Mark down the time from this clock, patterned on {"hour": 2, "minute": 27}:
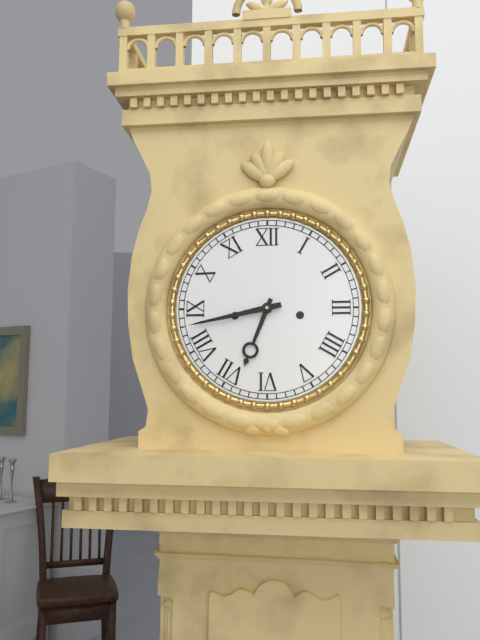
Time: {"hour": 6, "minute": 43}
